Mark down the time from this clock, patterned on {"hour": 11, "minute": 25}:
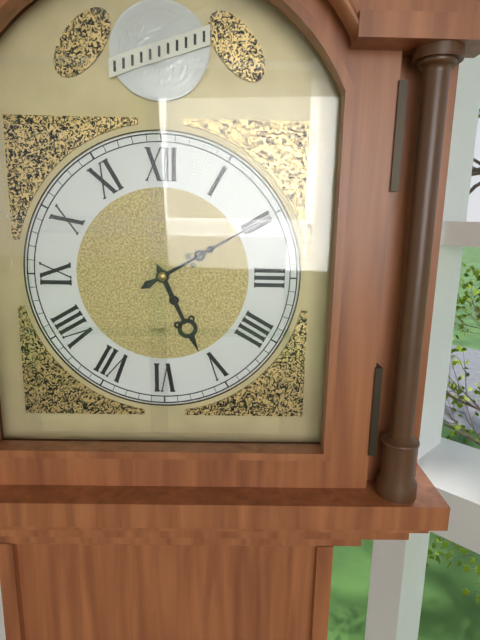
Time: {"hour": 5, "minute": 10}
